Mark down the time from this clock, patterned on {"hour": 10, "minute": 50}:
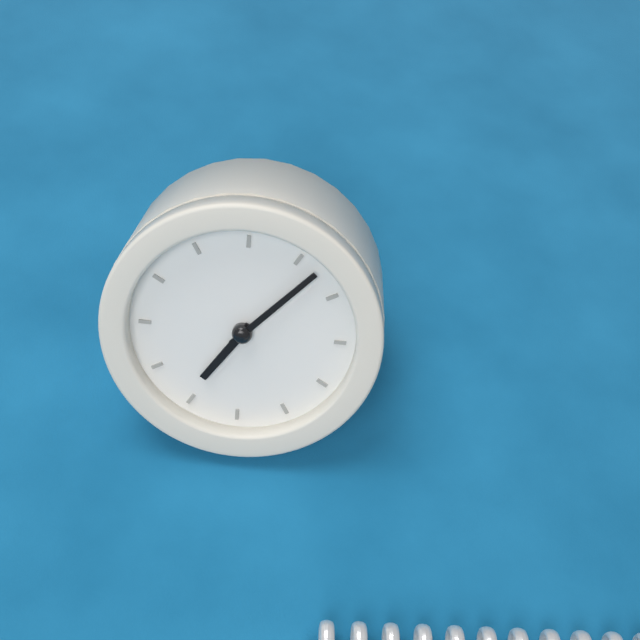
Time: {"hour": 7, "minute": 7}
